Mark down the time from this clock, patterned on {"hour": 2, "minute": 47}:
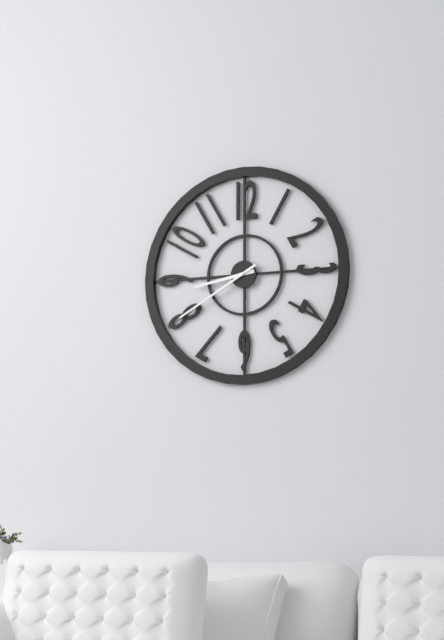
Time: {"hour": 8, "minute": 40}
